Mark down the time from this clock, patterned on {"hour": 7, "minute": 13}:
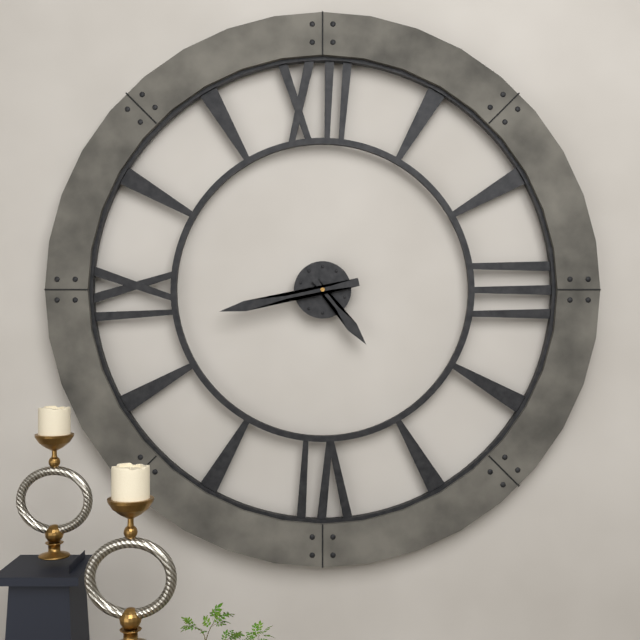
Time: {"hour": 4, "minute": 43}
